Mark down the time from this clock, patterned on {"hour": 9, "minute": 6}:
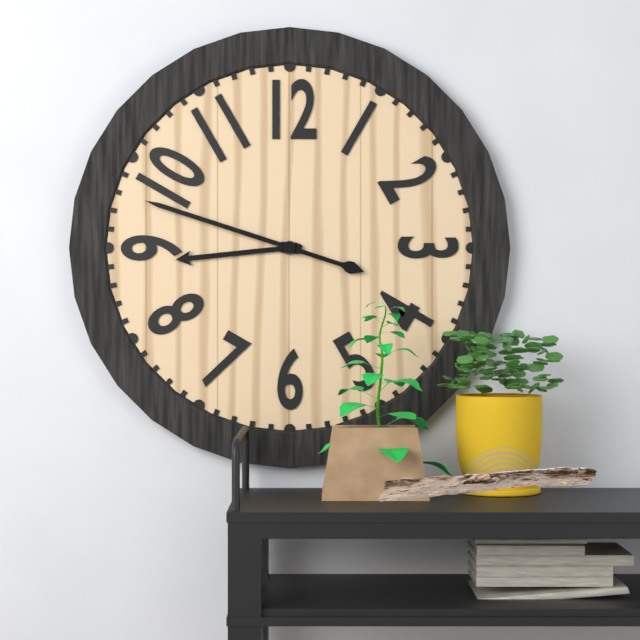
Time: {"hour": 8, "minute": 48}
